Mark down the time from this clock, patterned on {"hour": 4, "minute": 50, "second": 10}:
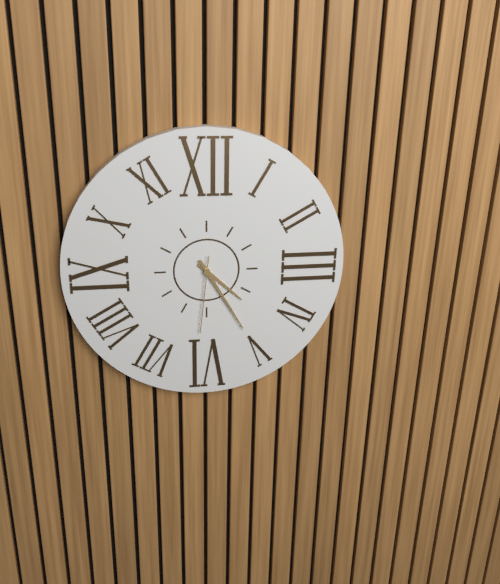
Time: {"hour": 4, "minute": 25, "second": 31}
